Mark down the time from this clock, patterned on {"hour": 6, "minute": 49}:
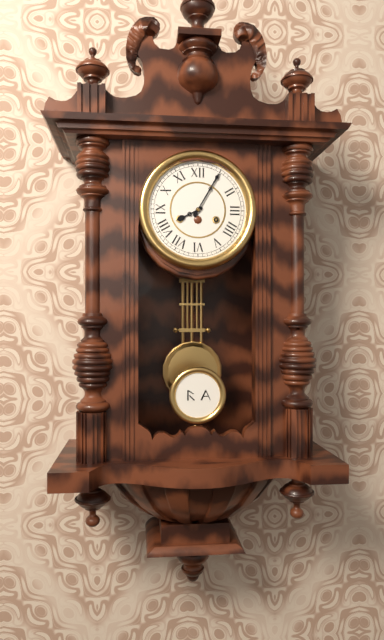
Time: {"hour": 8, "minute": 5}
